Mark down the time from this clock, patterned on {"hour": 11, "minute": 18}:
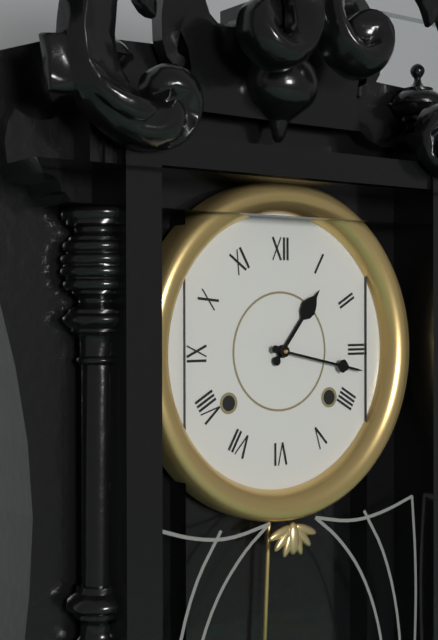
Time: {"hour": 1, "minute": 17}
